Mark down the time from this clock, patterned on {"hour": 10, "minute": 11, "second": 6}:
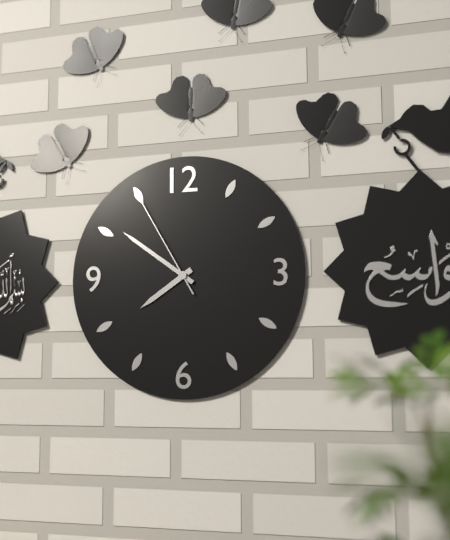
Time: {"hour": 7, "minute": 51, "second": 55}
